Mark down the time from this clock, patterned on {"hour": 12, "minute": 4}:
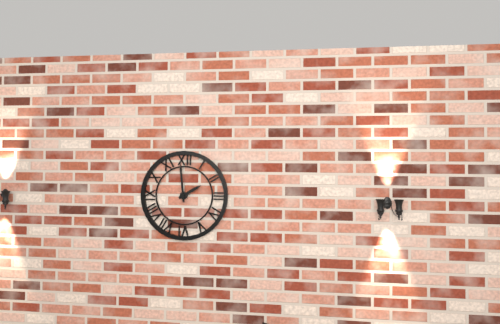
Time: {"hour": 1, "minute": 59}
